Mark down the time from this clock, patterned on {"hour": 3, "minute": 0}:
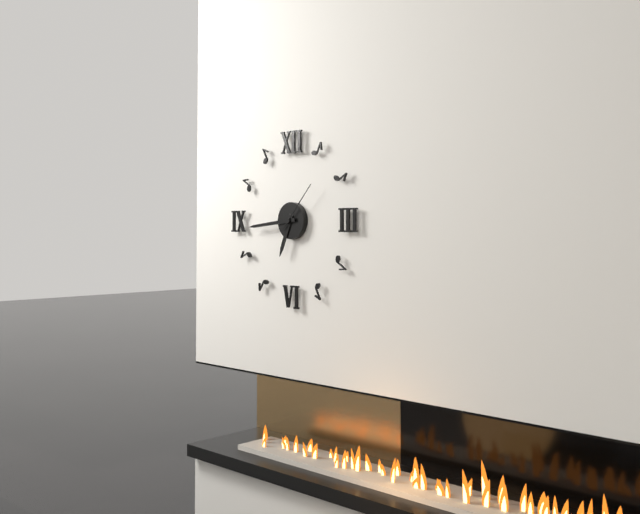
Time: {"hour": 6, "minute": 44}
